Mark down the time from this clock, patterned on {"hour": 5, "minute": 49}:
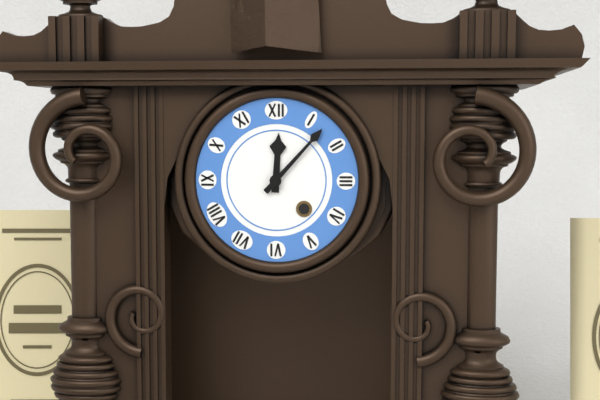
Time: {"hour": 12, "minute": 7}
